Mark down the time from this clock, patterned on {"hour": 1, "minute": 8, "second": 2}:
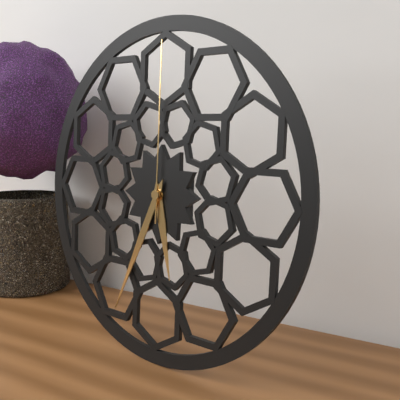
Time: {"hour": 5, "minute": 34, "second": 0}
